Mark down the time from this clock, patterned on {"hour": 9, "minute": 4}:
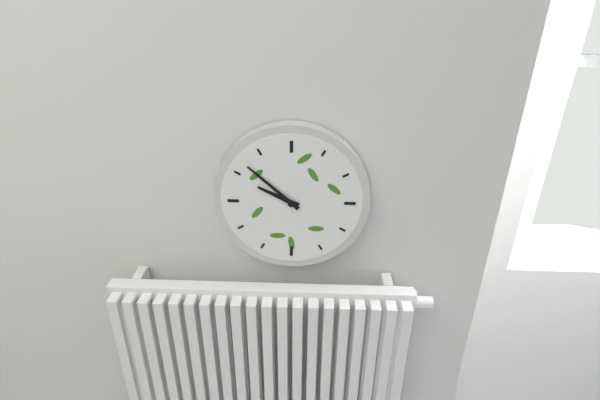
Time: {"hour": 9, "minute": 52}
